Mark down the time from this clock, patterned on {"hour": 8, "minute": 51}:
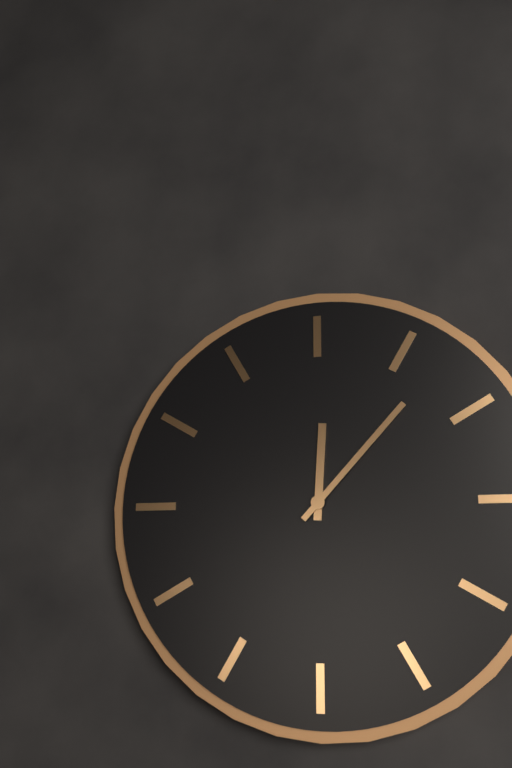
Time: {"hour": 12, "minute": 7}
